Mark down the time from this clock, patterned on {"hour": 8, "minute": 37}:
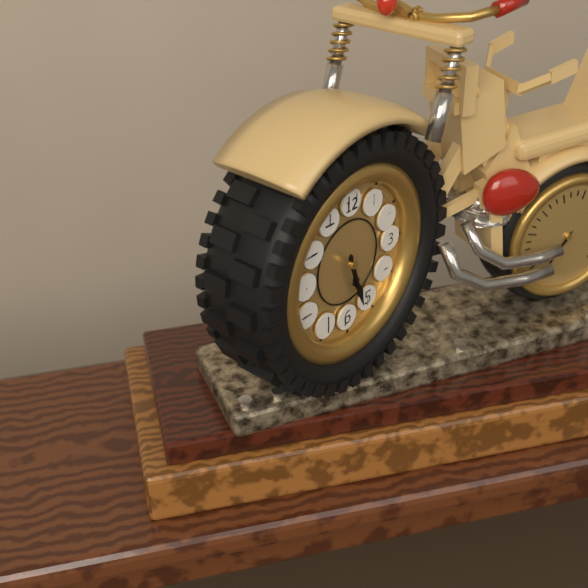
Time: {"hour": 5, "minute": 27}
